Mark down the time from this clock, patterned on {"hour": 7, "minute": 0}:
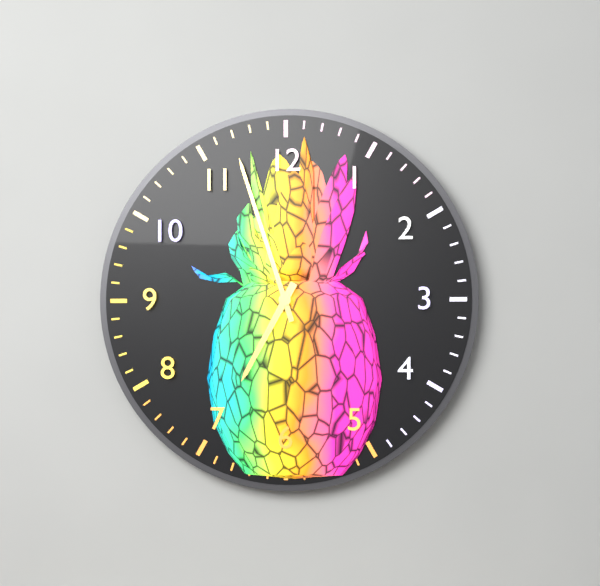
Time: {"hour": 6, "minute": 57}
